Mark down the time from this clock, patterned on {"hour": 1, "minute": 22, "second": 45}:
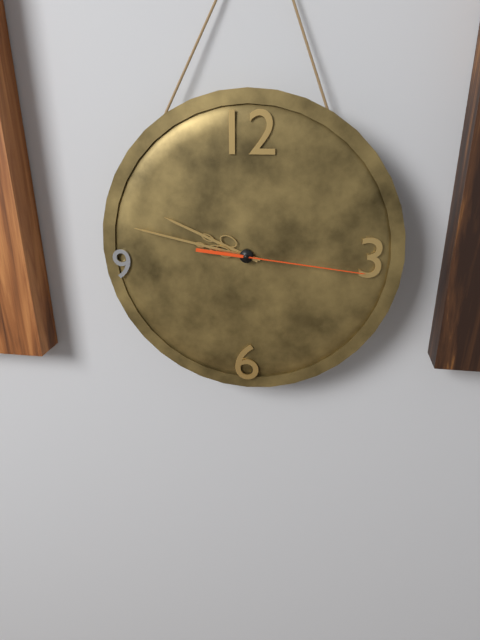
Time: {"hour": 9, "minute": 47, "second": 16}
